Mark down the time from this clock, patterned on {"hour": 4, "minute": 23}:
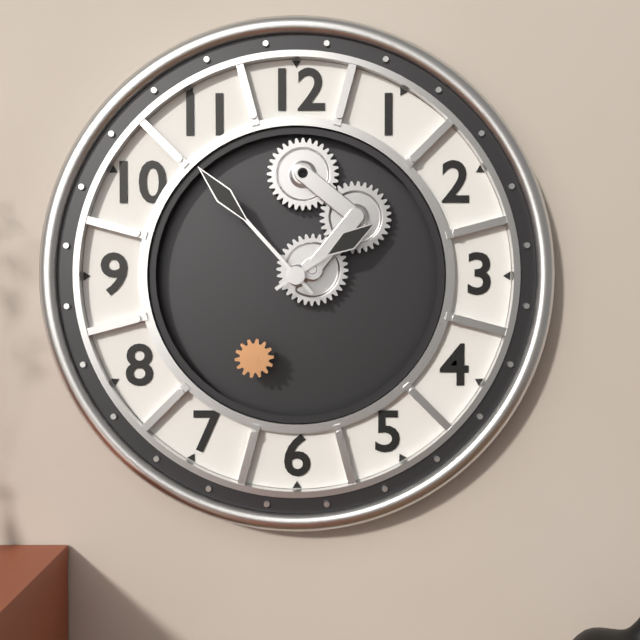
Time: {"hour": 1, "minute": 53}
